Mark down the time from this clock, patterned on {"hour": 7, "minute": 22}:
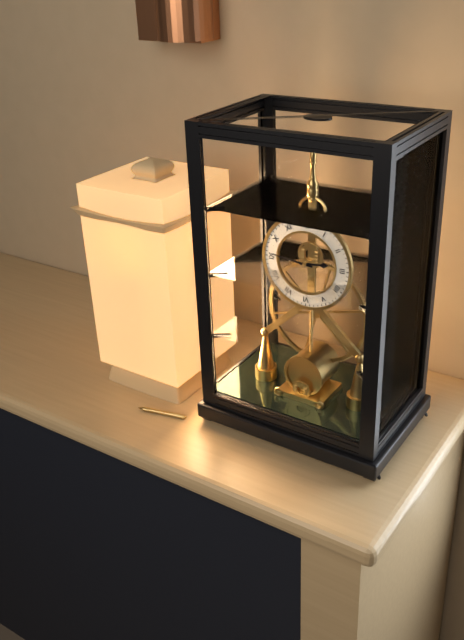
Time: {"hour": 2, "minute": 46}
